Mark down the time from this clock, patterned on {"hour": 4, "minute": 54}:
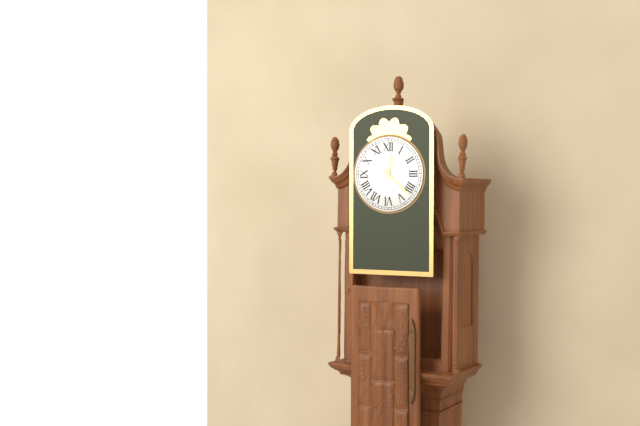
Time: {"hour": 12, "minute": 22}
